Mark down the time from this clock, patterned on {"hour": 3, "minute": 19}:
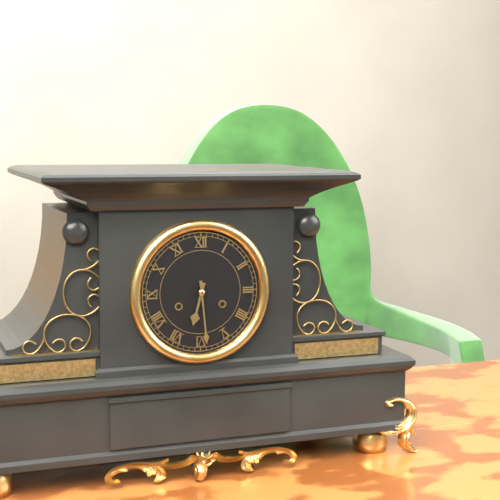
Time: {"hour": 6, "minute": 29}
